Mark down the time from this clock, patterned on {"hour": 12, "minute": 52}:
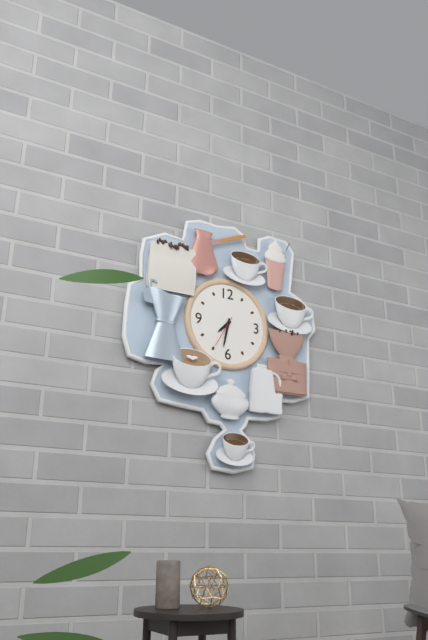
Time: {"hour": 7, "minute": 32}
